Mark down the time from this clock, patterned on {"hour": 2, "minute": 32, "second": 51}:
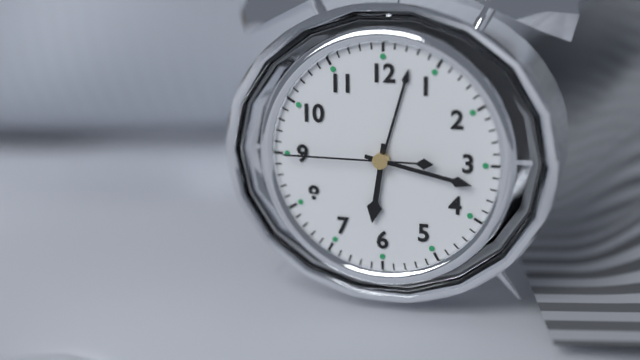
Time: {"hour": 6, "minute": 17, "second": 45}
